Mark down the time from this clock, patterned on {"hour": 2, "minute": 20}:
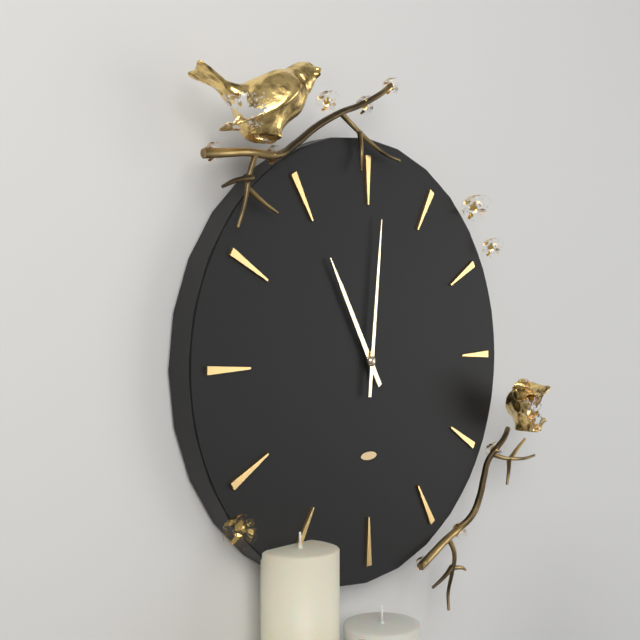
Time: {"hour": 11, "minute": 1}
